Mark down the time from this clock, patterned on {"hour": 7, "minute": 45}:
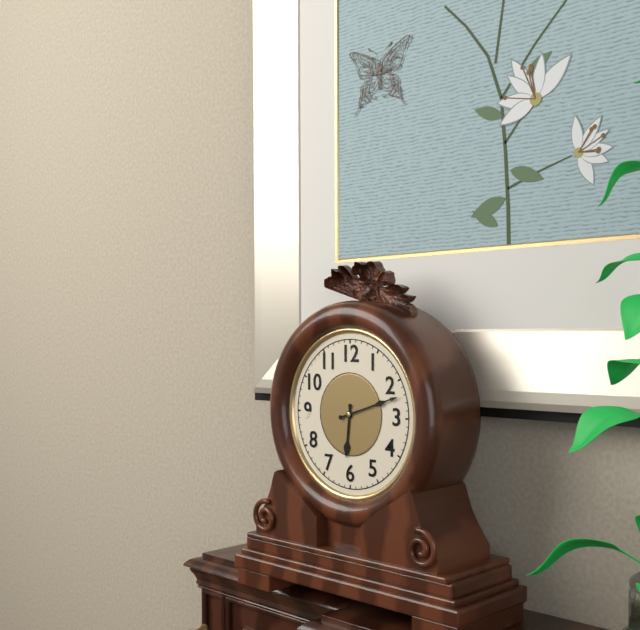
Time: {"hour": 6, "minute": 12}
